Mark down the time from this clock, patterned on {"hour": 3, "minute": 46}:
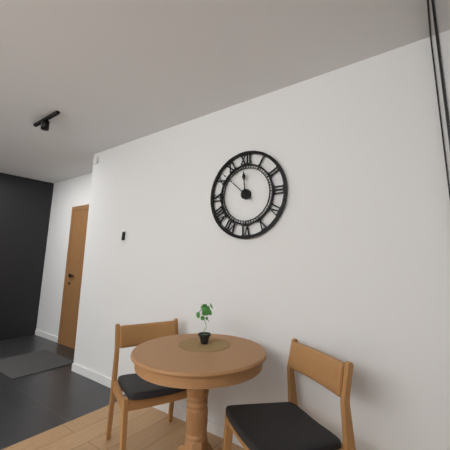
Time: {"hour": 11, "minute": 52}
